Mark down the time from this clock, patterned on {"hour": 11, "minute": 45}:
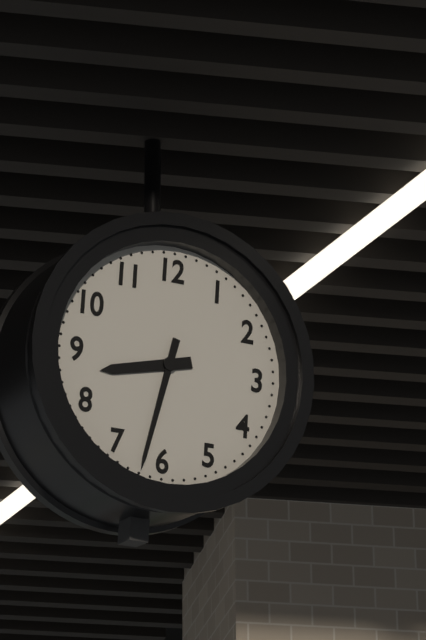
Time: {"hour": 8, "minute": 32}
